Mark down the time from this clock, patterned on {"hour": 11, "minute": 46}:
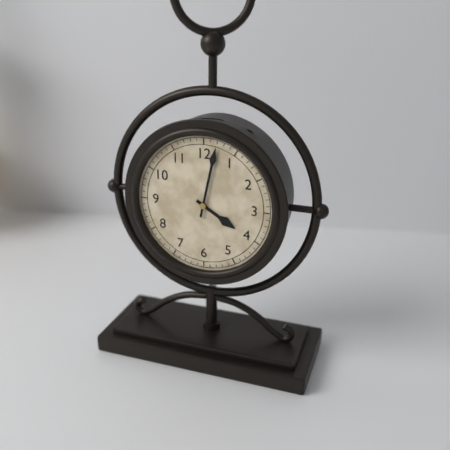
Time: {"hour": 4, "minute": 2}
